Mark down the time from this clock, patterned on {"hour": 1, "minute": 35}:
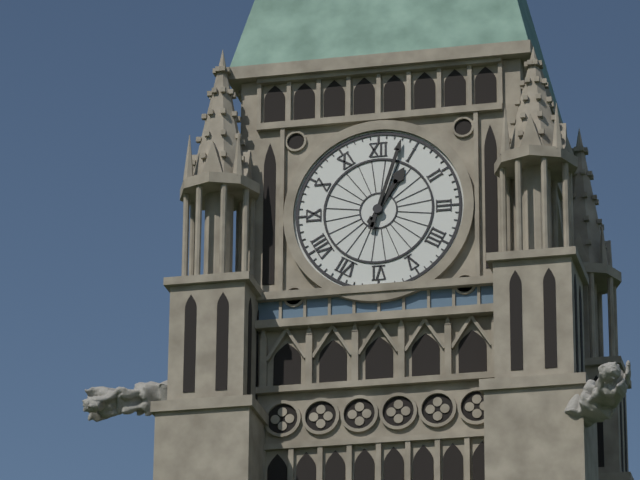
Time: {"hour": 1, "minute": 3}
